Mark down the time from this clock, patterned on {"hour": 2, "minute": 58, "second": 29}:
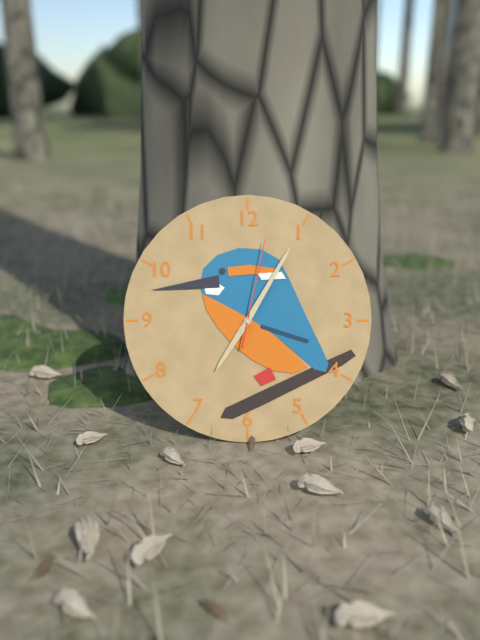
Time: {"hour": 7, "minute": 5, "second": 2}
